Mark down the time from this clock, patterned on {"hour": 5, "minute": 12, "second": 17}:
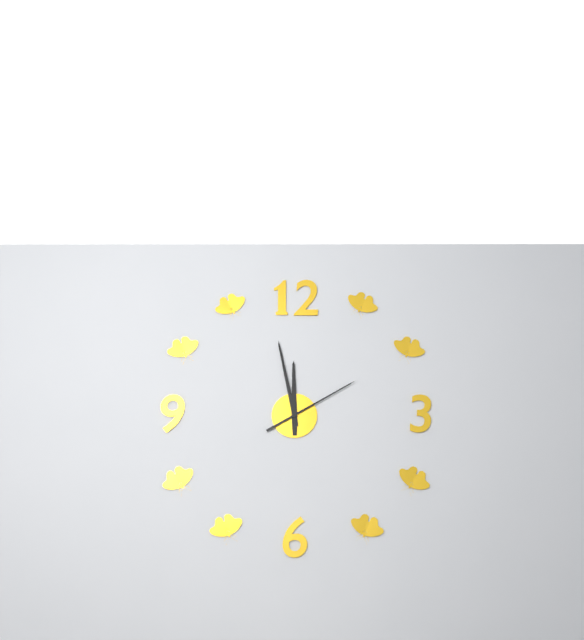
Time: {"hour": 11, "minute": 58, "second": 10}
